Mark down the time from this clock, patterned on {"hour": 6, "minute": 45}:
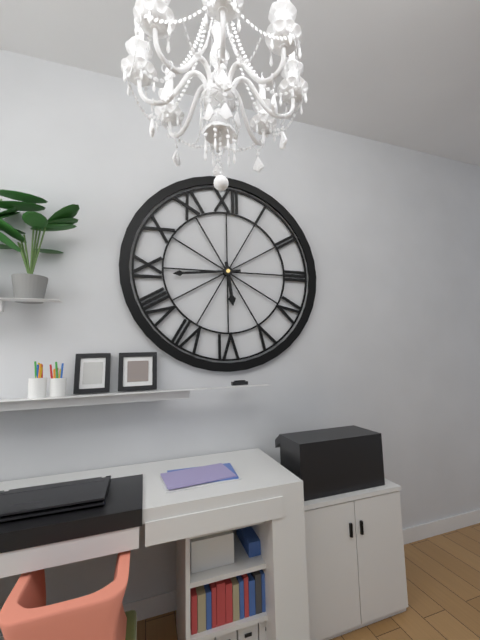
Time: {"hour": 5, "minute": 44}
